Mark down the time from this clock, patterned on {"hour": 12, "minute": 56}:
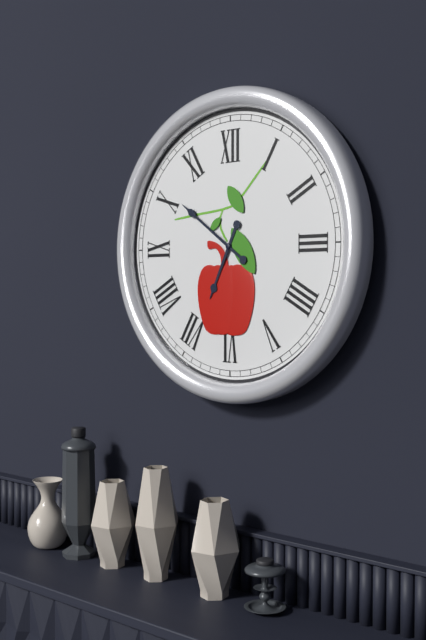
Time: {"hour": 6, "minute": 51}
